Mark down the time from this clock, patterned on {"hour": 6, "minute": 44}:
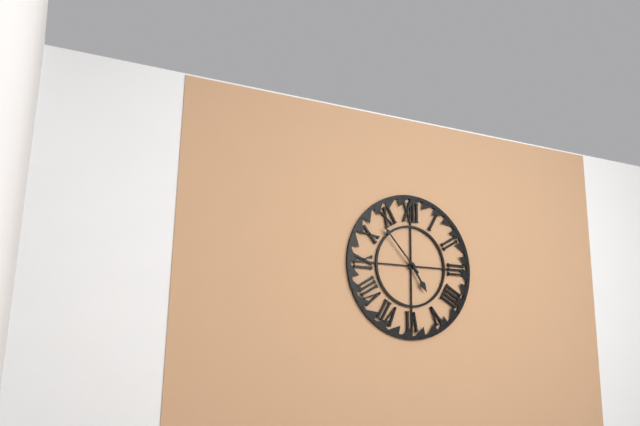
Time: {"hour": 4, "minute": 53}
